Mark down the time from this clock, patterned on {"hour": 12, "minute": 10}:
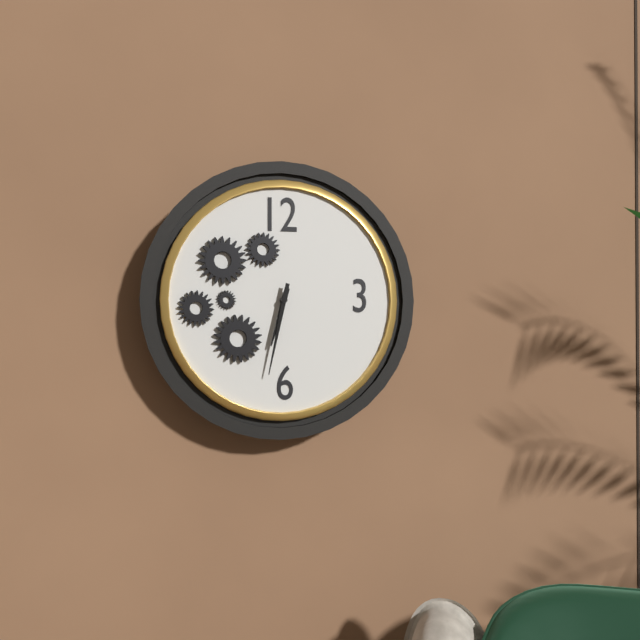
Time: {"hour": 6, "minute": 32}
